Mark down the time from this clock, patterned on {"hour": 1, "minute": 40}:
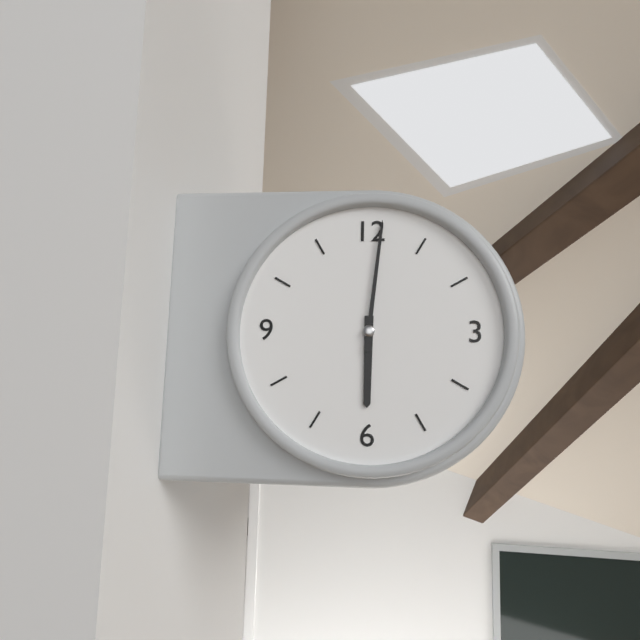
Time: {"hour": 6, "minute": 1}
